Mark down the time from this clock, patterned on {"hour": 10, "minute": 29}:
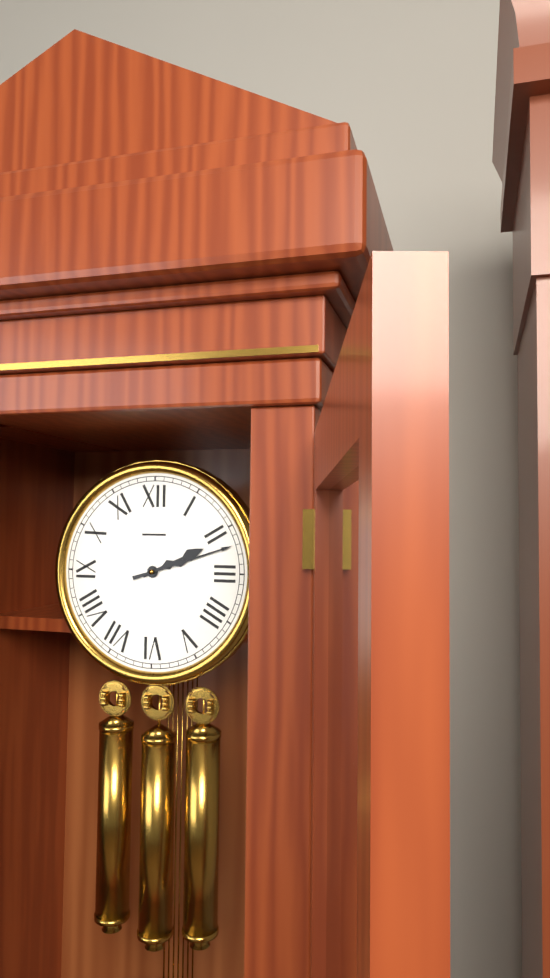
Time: {"hour": 2, "minute": 12}
